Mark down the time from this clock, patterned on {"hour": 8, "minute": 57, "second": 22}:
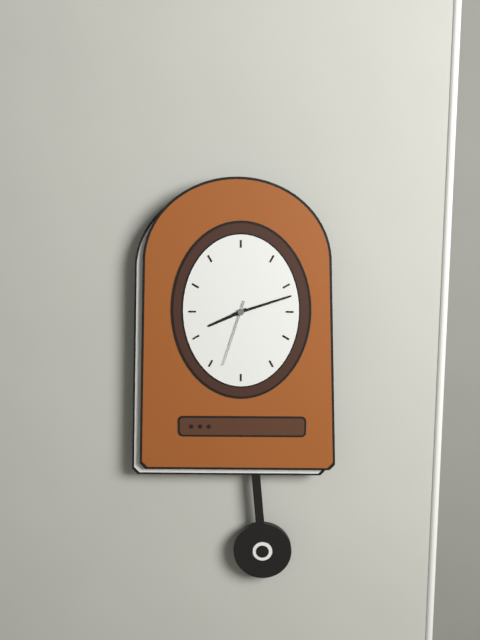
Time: {"hour": 8, "minute": 12, "second": 33}
